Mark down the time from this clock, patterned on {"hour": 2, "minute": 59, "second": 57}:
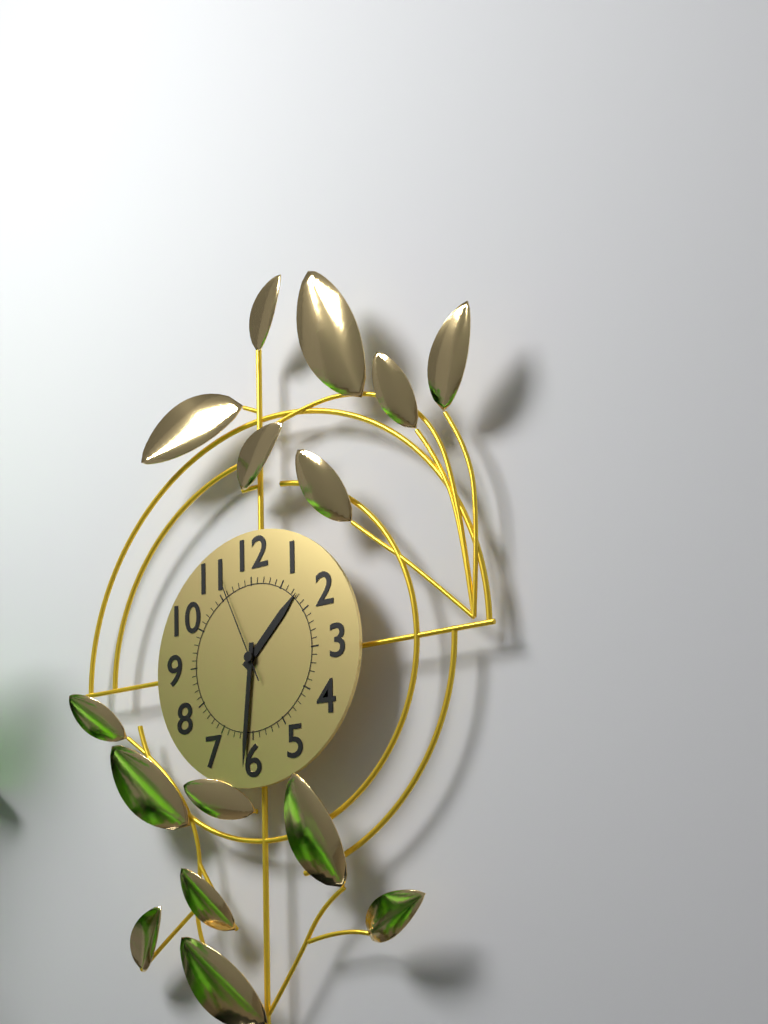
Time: {"hour": 1, "minute": 31, "second": 56}
